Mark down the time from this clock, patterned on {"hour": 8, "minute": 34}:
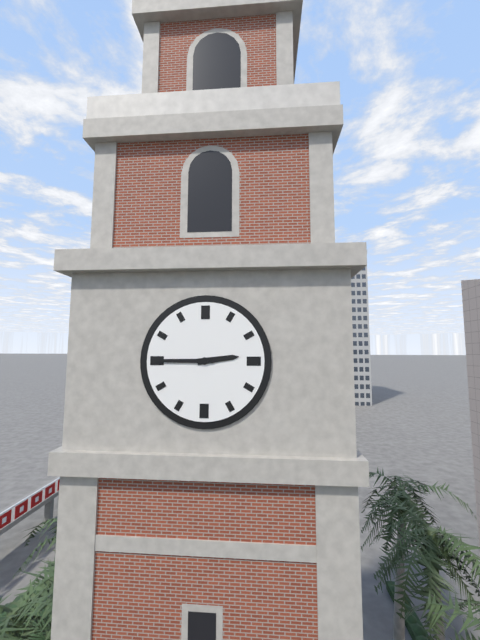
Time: {"hour": 2, "minute": 45}
